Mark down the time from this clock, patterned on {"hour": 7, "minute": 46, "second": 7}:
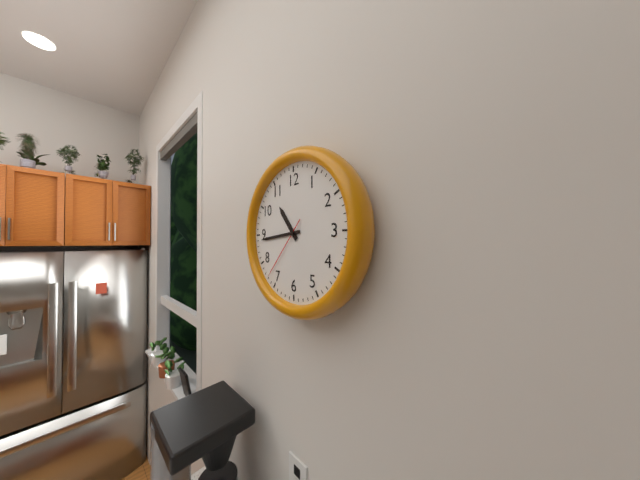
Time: {"hour": 10, "minute": 44, "second": 37}
